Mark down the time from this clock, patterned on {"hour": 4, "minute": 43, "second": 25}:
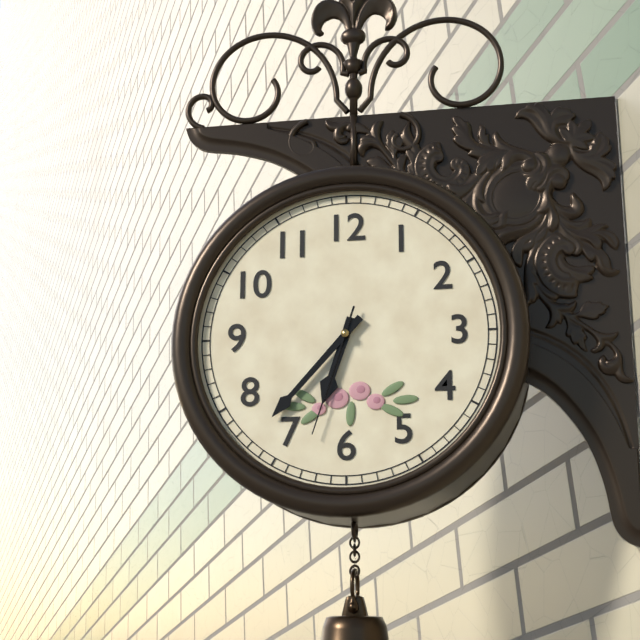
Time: {"hour": 6, "minute": 37, "second": 33}
